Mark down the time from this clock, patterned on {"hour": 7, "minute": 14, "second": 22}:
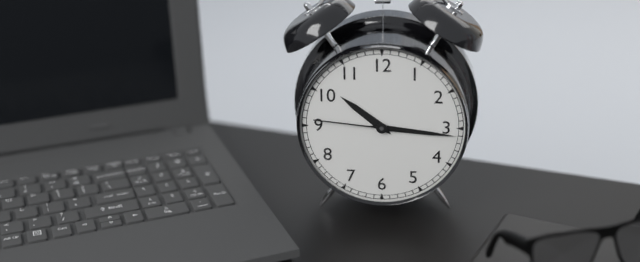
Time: {"hour": 10, "minute": 16, "second": 46}
